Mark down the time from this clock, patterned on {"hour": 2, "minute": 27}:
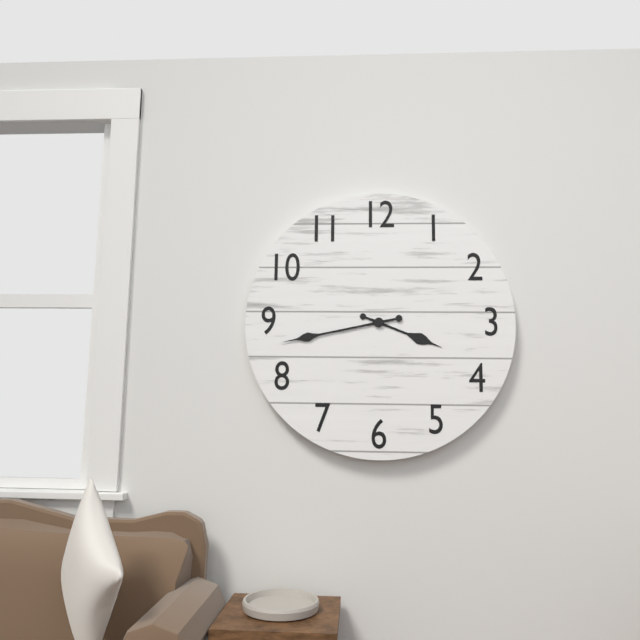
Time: {"hour": 3, "minute": 43}
